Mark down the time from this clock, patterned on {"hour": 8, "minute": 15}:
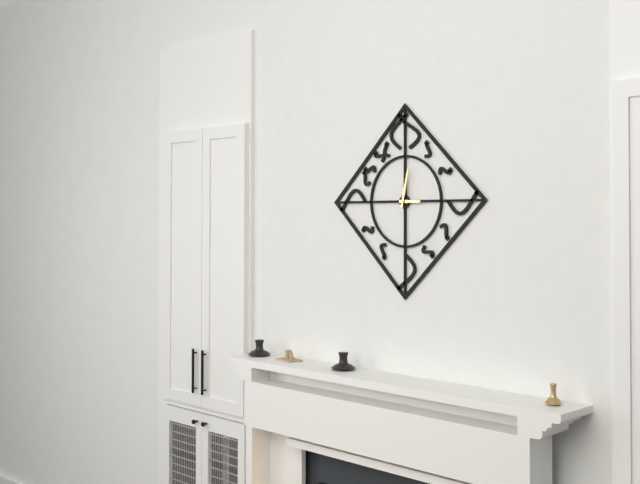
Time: {"hour": 3, "minute": 2}
